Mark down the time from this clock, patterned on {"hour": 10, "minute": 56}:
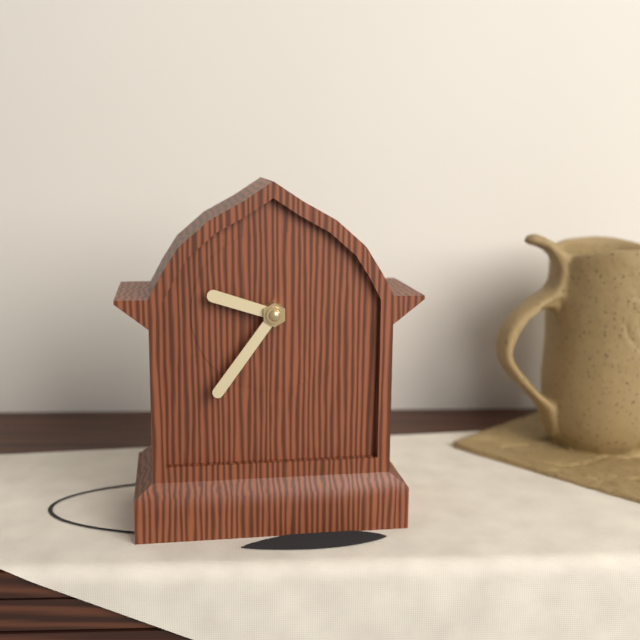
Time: {"hour": 9, "minute": 36}
